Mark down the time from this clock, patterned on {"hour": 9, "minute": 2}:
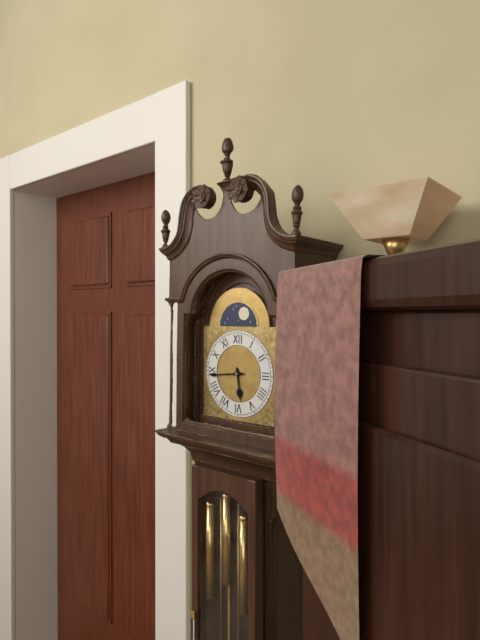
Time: {"hour": 5, "minute": 44}
